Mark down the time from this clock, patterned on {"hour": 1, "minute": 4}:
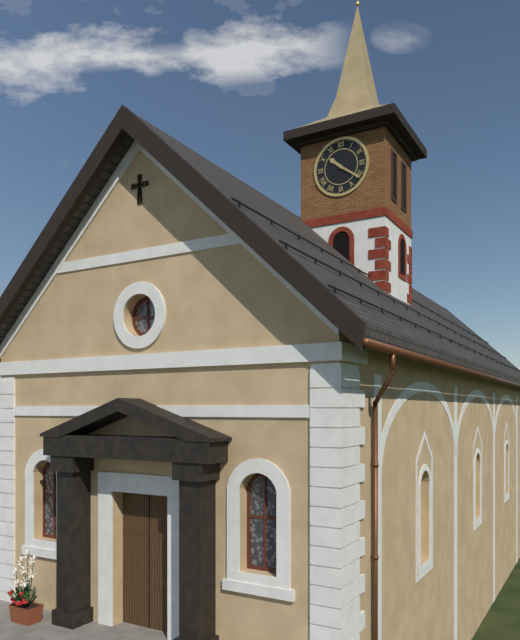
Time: {"hour": 10, "minute": 21}
